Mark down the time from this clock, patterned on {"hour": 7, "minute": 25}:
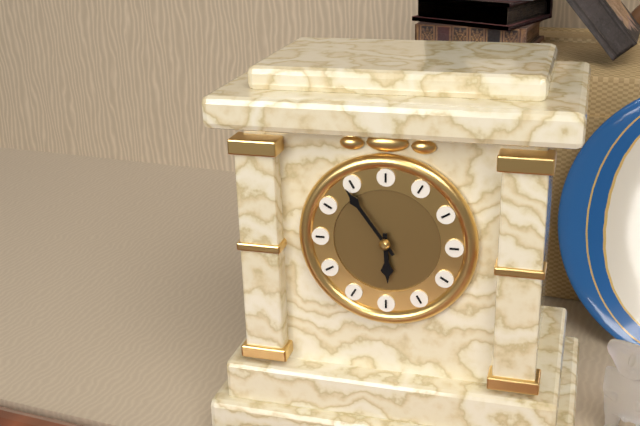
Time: {"hour": 5, "minute": 54}
